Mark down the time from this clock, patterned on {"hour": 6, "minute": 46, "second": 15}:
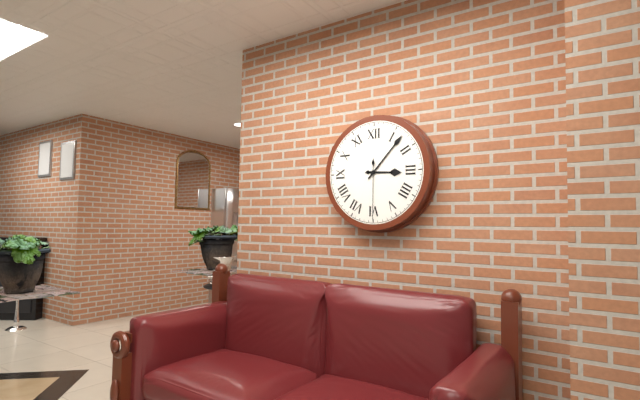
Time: {"hour": 3, "minute": 7, "second": 30}
